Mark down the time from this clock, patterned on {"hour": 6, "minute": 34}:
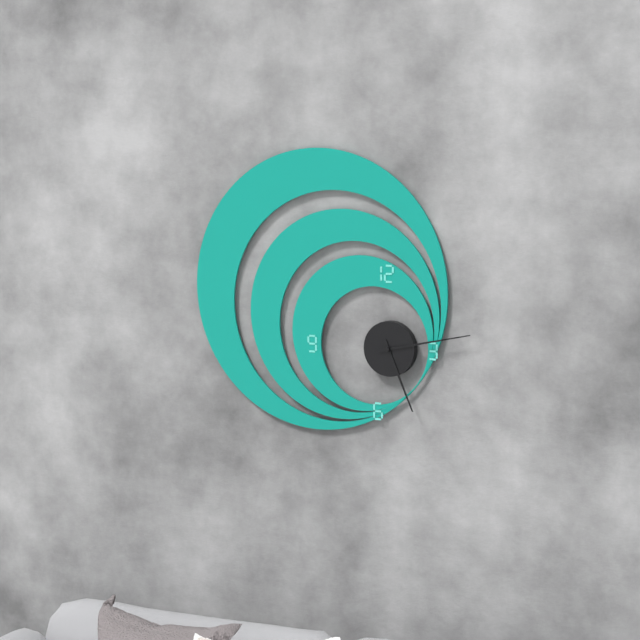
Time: {"hour": 5, "minute": 13}
